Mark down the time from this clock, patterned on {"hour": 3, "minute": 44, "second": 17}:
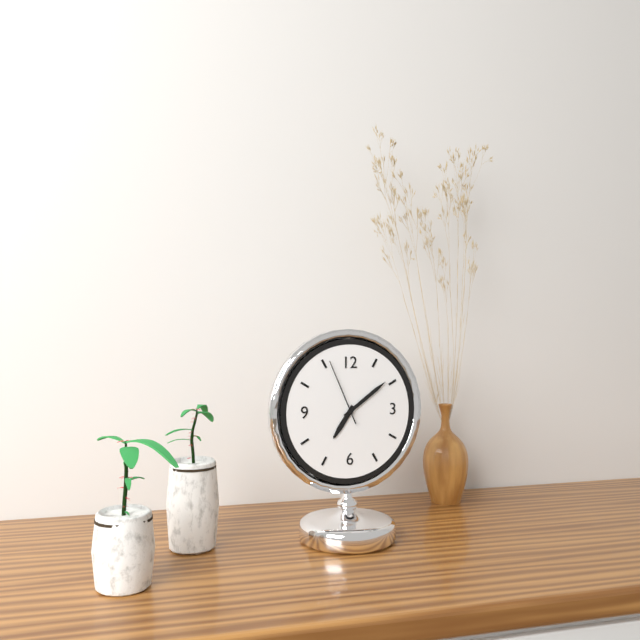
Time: {"hour": 7, "minute": 9, "second": 56}
